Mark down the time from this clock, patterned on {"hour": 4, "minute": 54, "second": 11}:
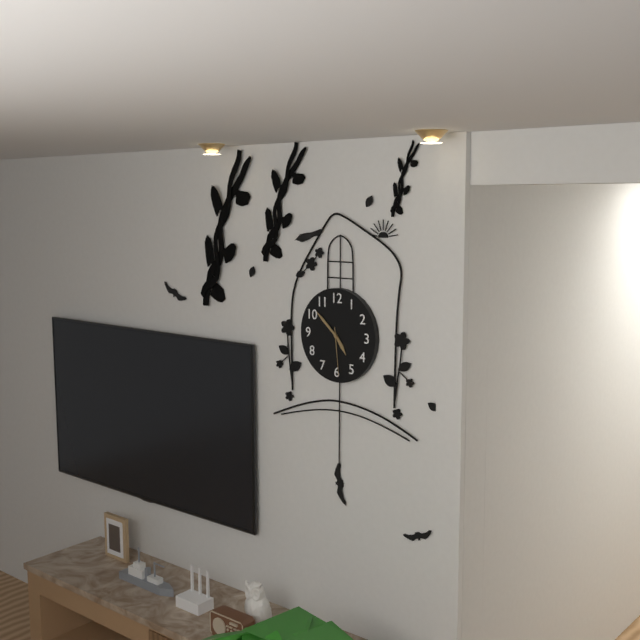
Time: {"hour": 4, "minute": 52, "second": 29}
